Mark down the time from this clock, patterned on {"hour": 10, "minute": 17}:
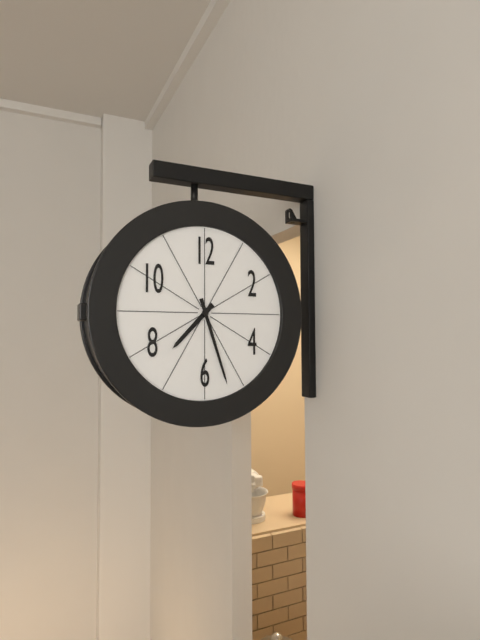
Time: {"hour": 7, "minute": 27}
